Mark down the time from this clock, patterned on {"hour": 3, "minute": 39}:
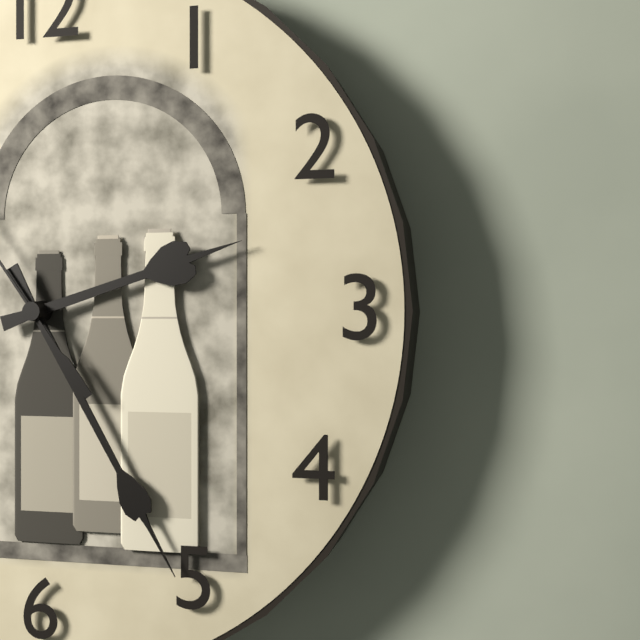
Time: {"hour": 2, "minute": 25}
